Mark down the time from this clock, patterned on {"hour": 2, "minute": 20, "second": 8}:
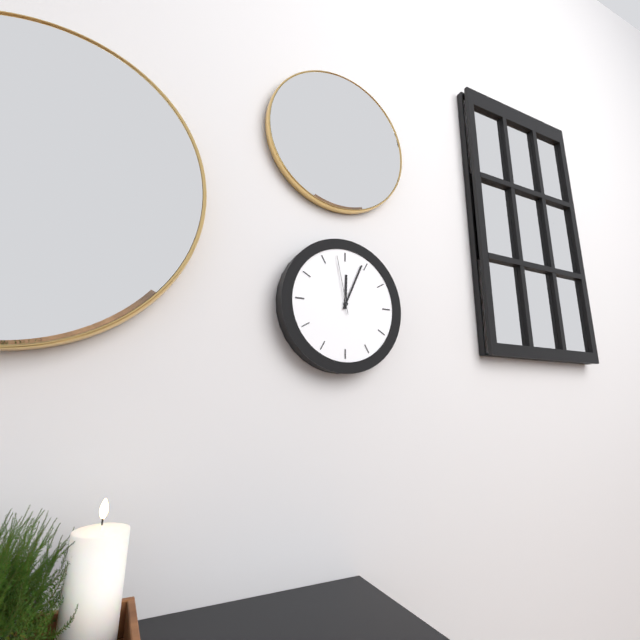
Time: {"hour": 12, "minute": 4, "second": 58}
